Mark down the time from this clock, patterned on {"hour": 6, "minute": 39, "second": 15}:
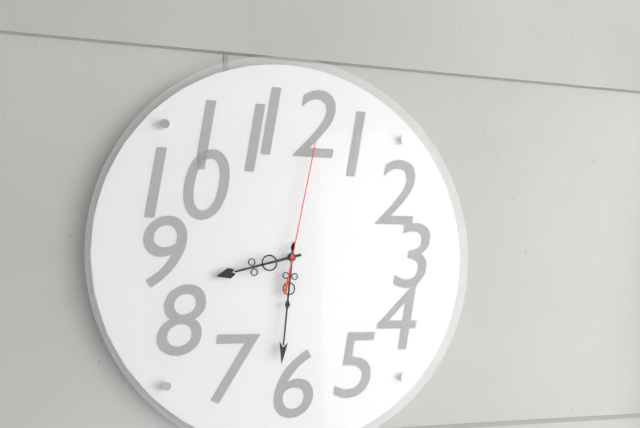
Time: {"hour": 8, "minute": 31, "second": 2}
